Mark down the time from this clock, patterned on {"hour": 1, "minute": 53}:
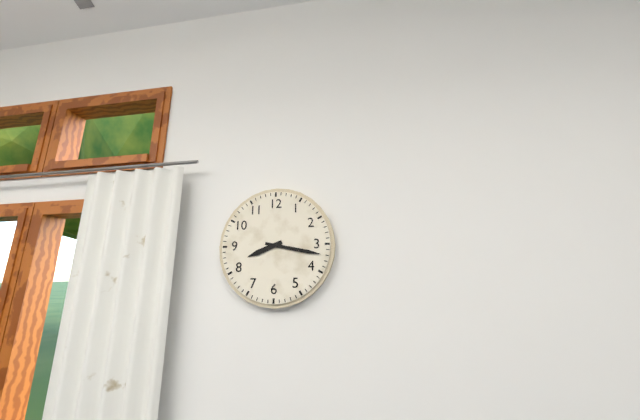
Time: {"hour": 8, "minute": 17}
